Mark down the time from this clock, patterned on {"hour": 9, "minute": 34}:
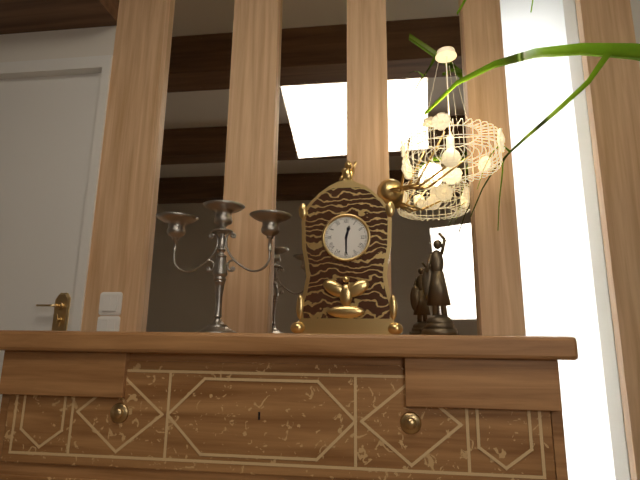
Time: {"hour": 12, "minute": 30}
